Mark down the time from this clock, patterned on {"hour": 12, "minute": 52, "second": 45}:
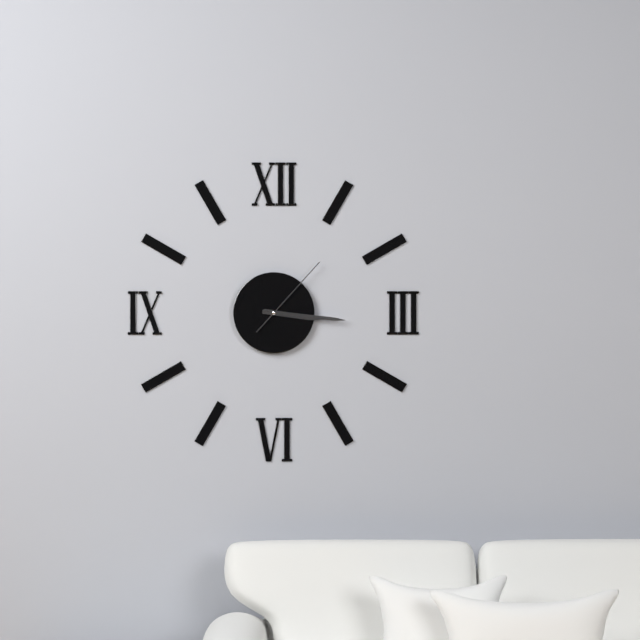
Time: {"hour": 3, "minute": 16, "second": 7}
